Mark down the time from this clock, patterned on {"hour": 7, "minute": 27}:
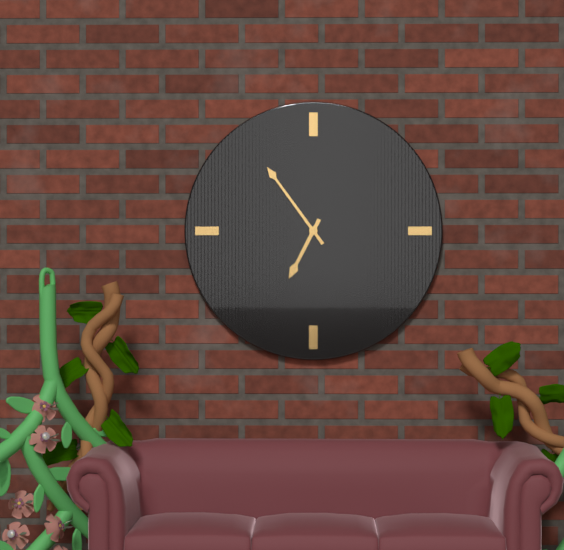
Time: {"hour": 6, "minute": 54}
